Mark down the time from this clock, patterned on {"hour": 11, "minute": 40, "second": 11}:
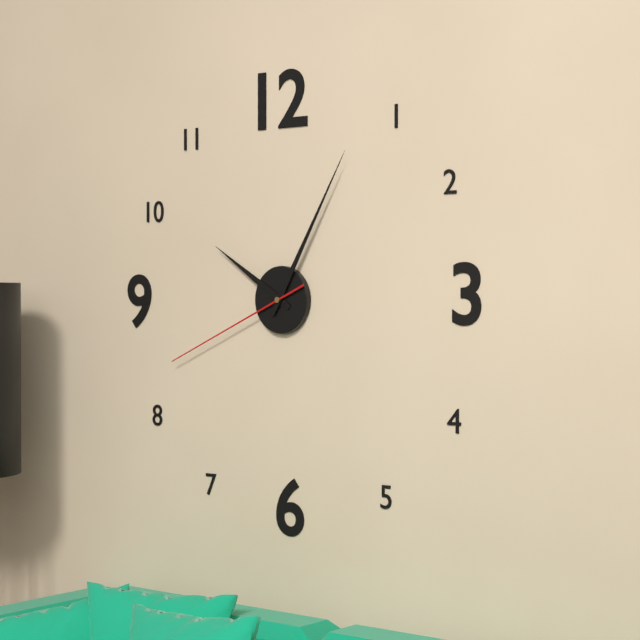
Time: {"hour": 10, "minute": 5, "second": 41}
